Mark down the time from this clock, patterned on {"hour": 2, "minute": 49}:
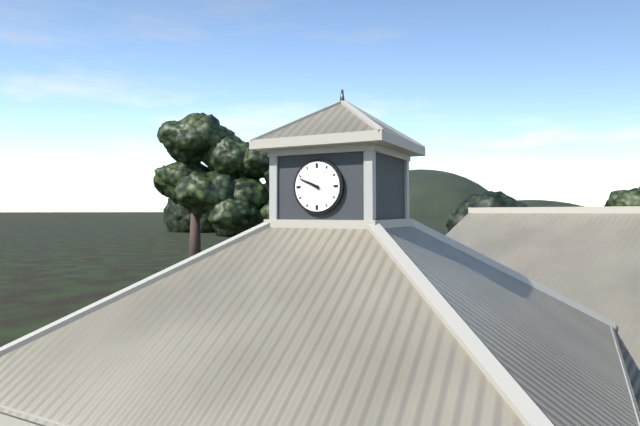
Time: {"hour": 9, "minute": 49}
